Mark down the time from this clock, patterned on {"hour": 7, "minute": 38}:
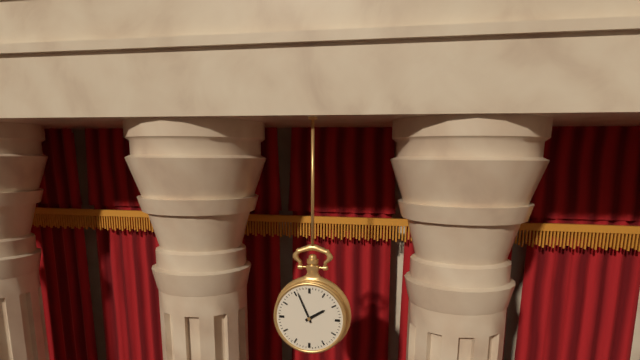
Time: {"hour": 1, "minute": 56}
